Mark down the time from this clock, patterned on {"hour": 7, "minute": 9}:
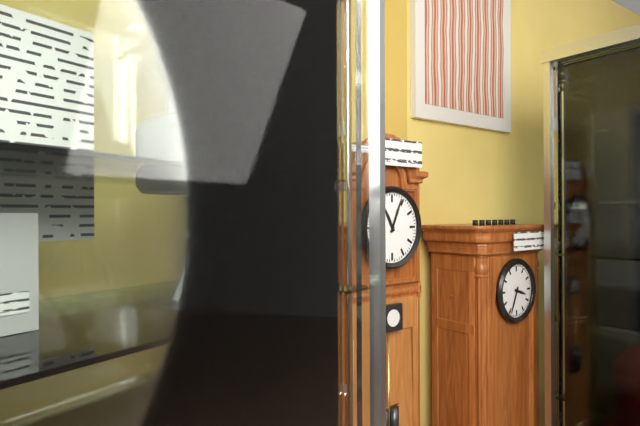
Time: {"hour": 11, "minute": 4}
